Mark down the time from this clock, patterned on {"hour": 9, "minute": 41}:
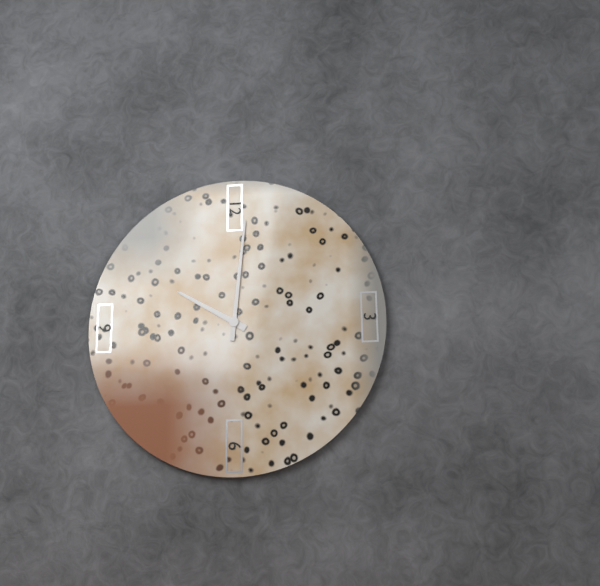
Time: {"hour": 10, "minute": 1}
